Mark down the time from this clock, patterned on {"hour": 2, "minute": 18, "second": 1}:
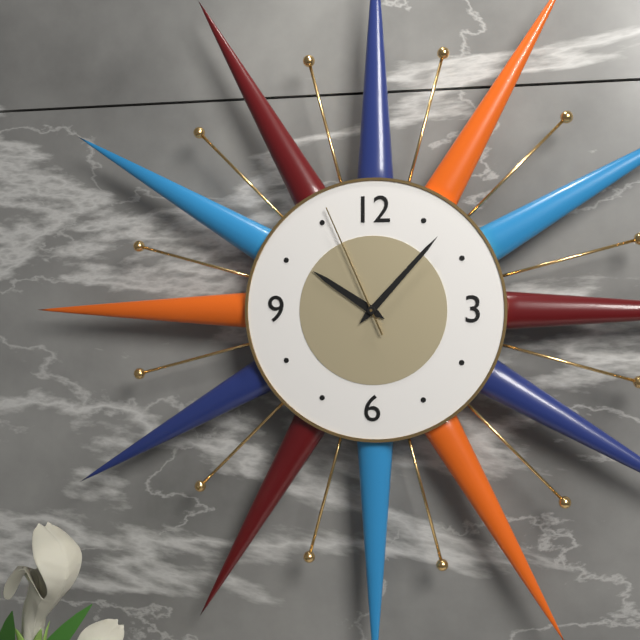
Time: {"hour": 10, "minute": 7, "second": 56}
